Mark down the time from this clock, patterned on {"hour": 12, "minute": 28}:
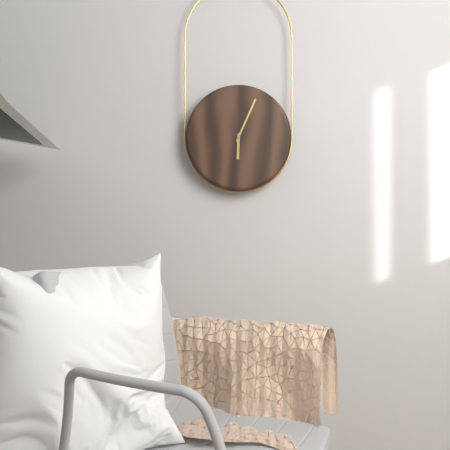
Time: {"hour": 6, "minute": 4}
